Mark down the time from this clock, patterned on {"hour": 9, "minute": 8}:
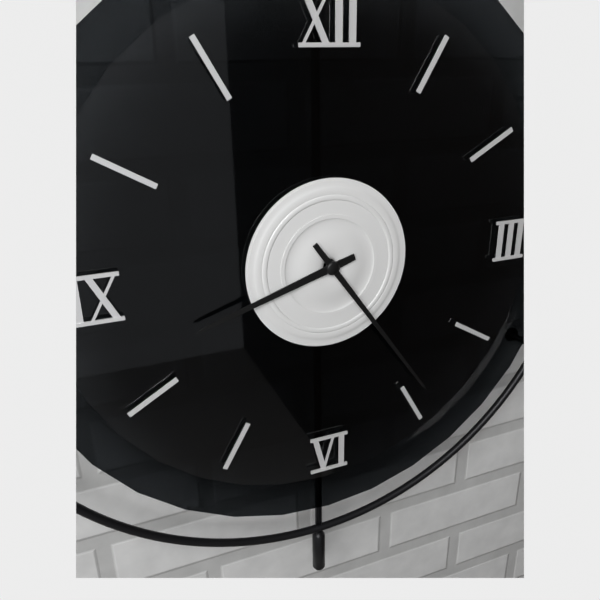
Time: {"hour": 8, "minute": 24}
